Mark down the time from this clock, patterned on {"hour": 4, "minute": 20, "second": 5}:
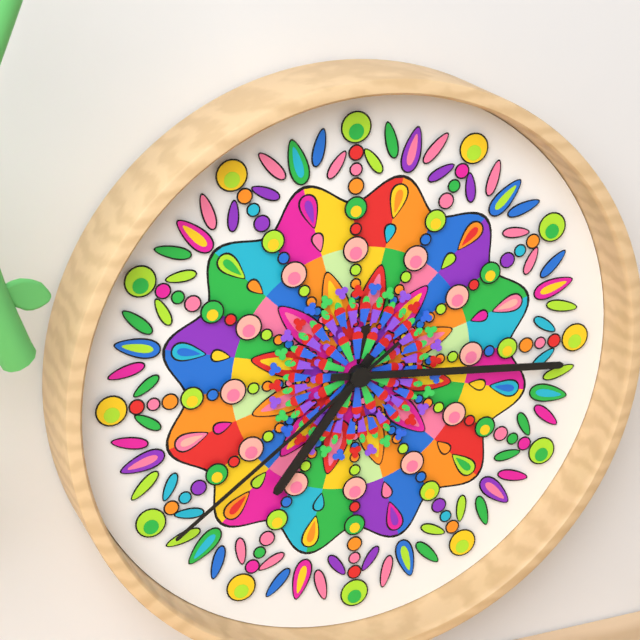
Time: {"hour": 7, "minute": 16, "second": 39}
